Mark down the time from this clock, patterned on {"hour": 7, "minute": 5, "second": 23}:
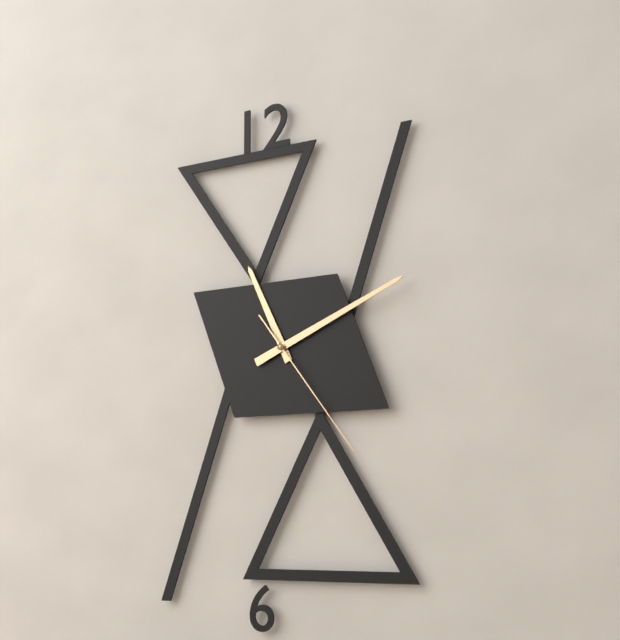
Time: {"hour": 11, "minute": 11, "second": 24}
